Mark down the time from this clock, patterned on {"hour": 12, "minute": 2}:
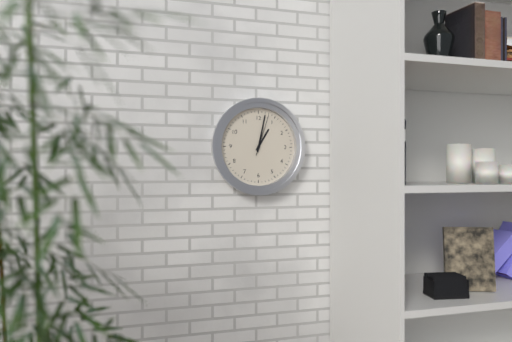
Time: {"hour": 1, "minute": 2}
